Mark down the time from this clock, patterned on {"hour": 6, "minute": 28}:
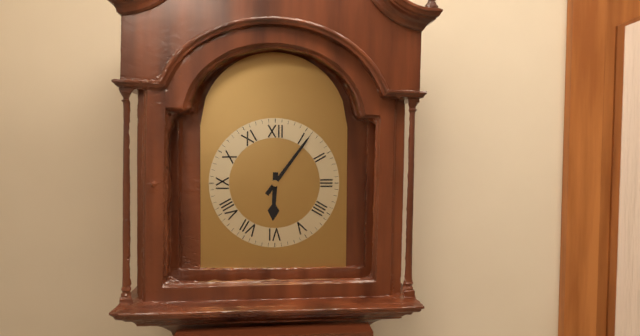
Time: {"hour": 6, "minute": 6}
